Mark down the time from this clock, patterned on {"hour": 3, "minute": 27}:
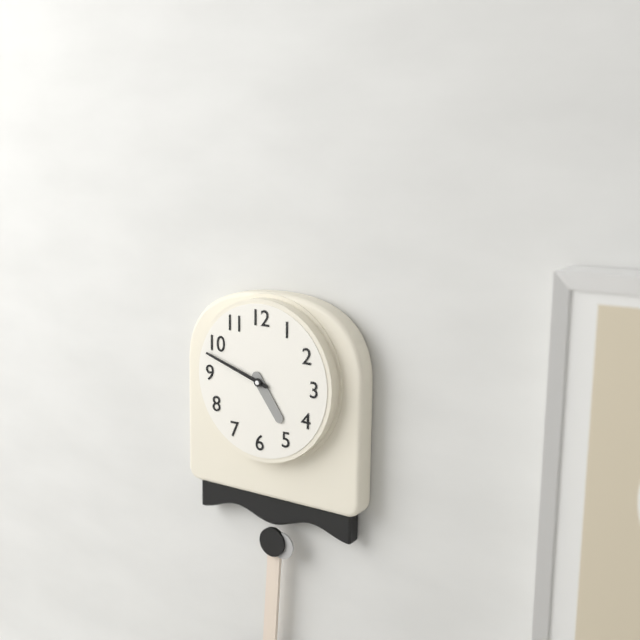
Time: {"hour": 4, "minute": 48}
